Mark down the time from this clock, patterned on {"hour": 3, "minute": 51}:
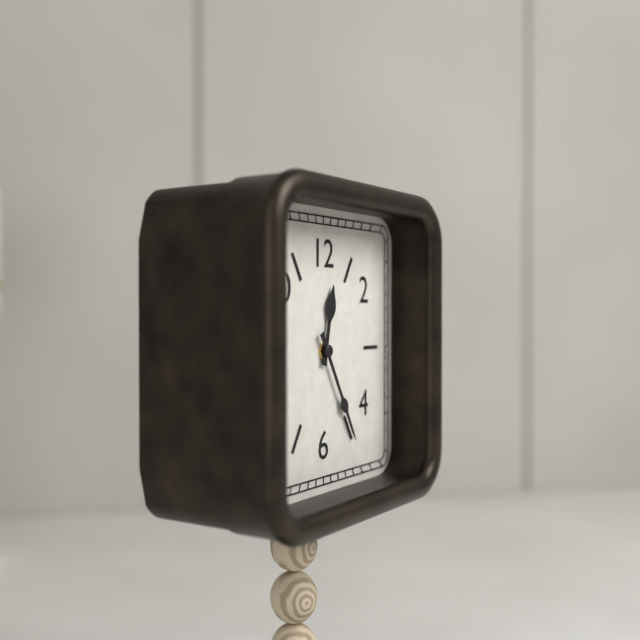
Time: {"hour": 12, "minute": 25}
